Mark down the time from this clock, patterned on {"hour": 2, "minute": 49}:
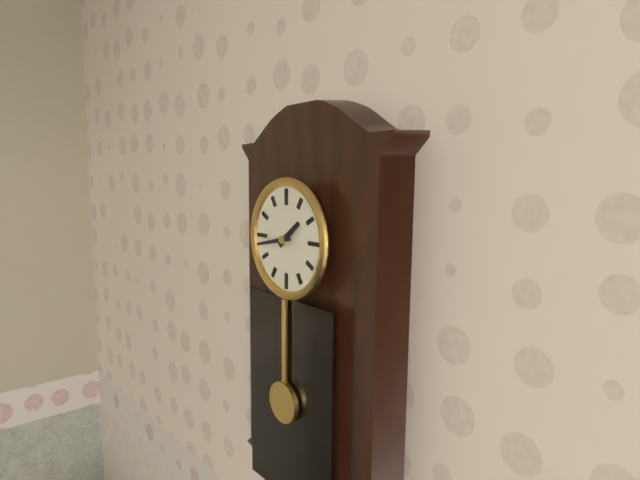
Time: {"hour": 1, "minute": 43}
